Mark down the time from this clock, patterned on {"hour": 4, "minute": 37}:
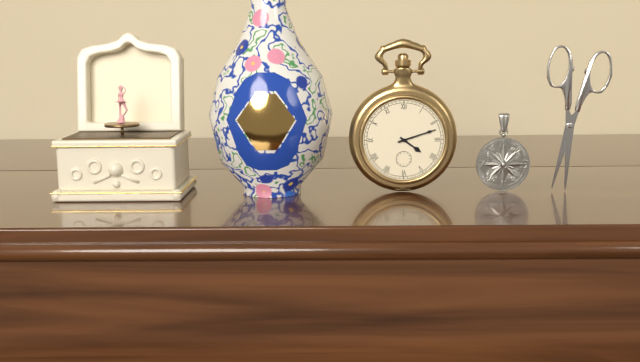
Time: {"hour": 4, "minute": 12}
